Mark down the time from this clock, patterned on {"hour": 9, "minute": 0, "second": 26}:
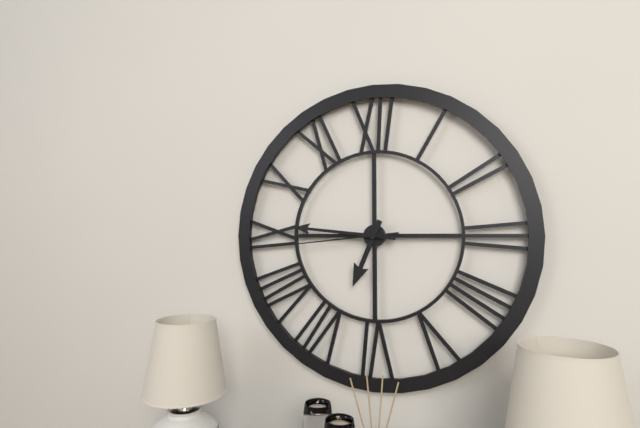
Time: {"hour": 6, "minute": 46, "second": 44}
